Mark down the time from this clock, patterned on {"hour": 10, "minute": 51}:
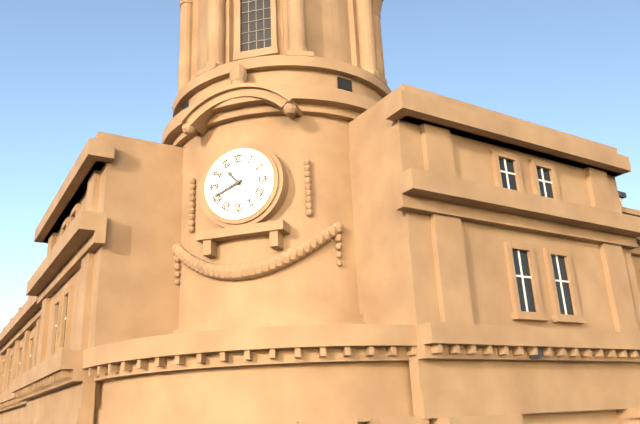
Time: {"hour": 10, "minute": 41}
